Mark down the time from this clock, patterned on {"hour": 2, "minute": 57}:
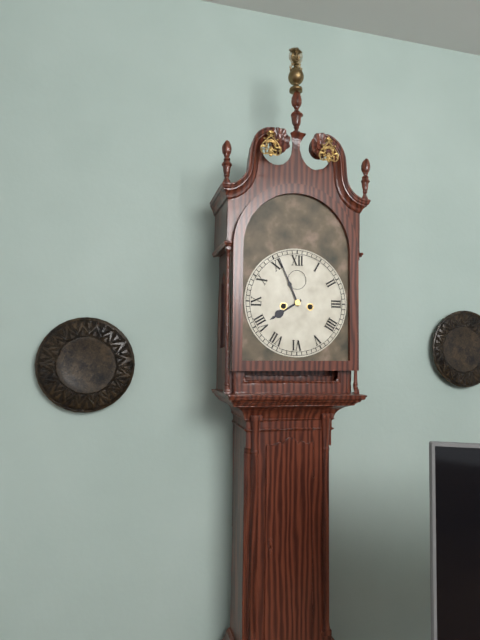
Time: {"hour": 7, "minute": 56}
